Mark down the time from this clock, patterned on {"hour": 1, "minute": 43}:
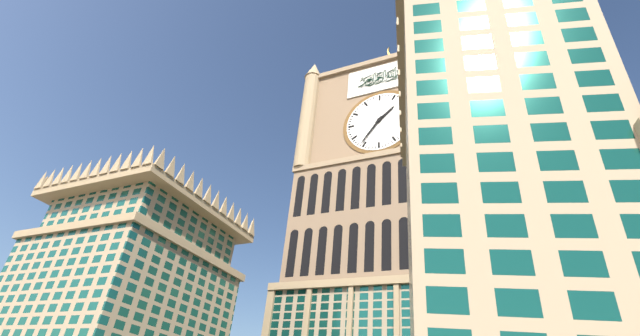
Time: {"hour": 1, "minute": 36}
